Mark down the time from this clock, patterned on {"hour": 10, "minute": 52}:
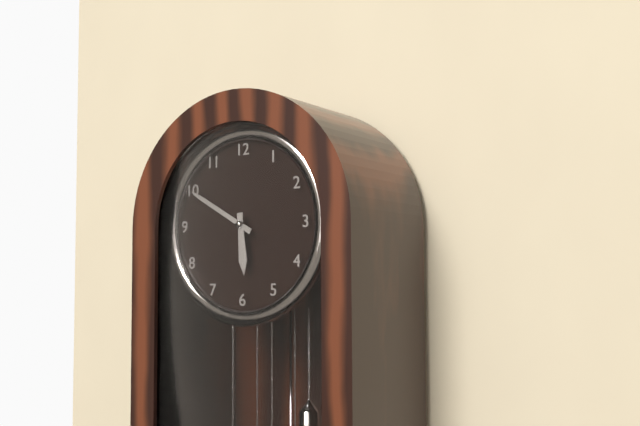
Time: {"hour": 5, "minute": 50}
